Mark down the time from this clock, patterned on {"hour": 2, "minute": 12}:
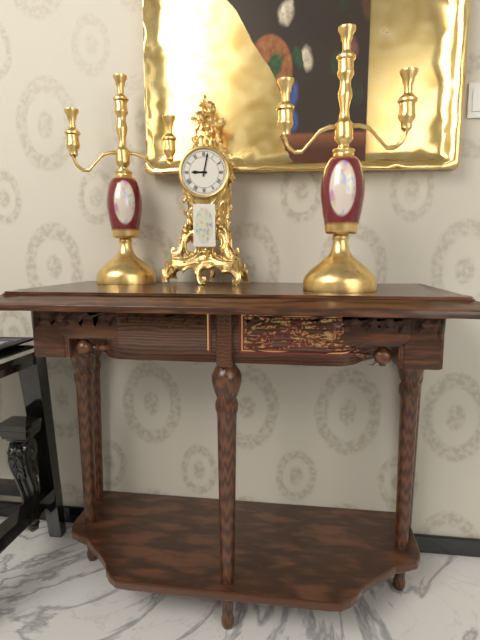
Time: {"hour": 9, "minute": 2}
